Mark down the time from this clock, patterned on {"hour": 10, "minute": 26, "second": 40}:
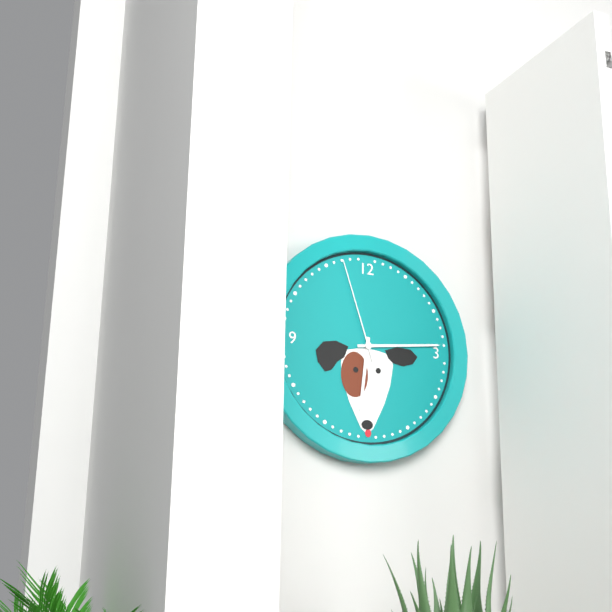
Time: {"hour": 6, "minute": 14, "second": 57}
